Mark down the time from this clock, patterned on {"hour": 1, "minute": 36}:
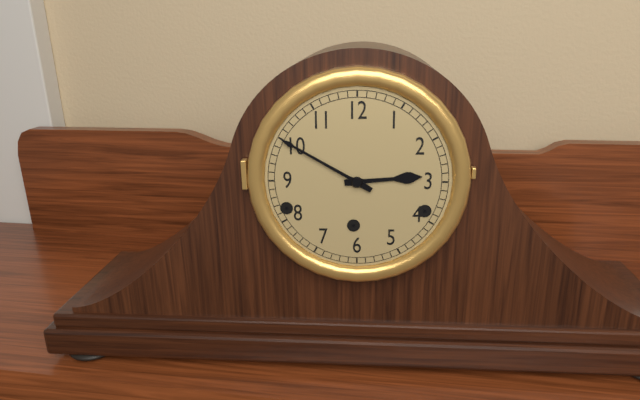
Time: {"hour": 2, "minute": 50}
